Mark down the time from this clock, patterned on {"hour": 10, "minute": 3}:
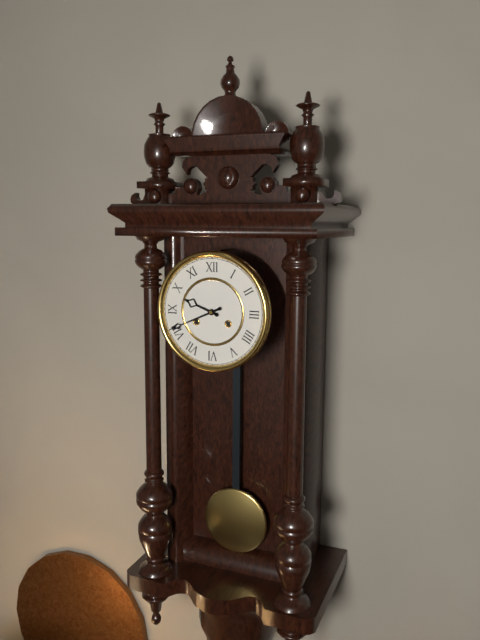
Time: {"hour": 9, "minute": 41}
